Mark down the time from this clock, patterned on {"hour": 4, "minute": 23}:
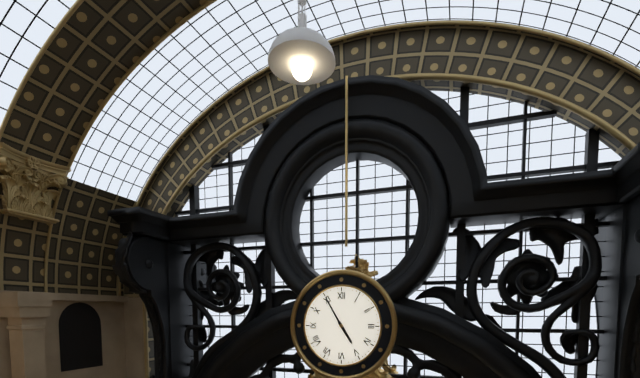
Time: {"hour": 4, "minute": 55}
